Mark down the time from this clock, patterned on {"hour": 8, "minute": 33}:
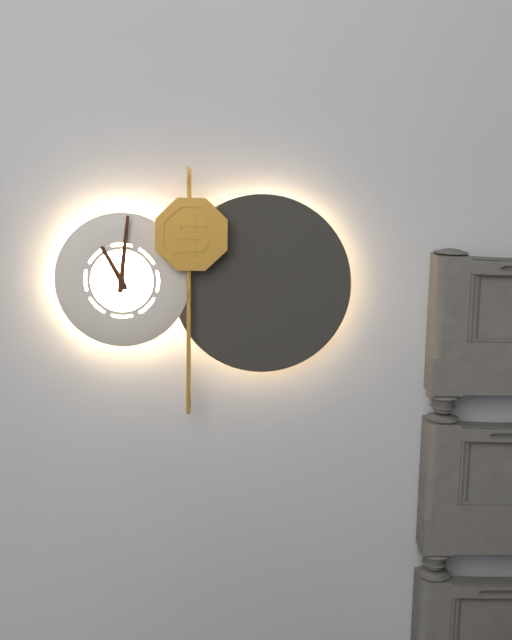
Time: {"hour": 11, "minute": 1}
